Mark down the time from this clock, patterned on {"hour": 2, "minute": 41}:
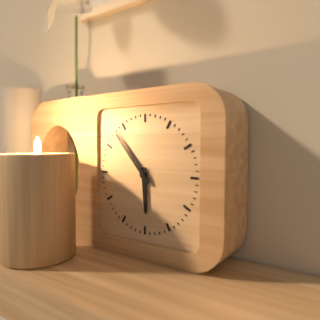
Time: {"hour": 5, "minute": 53}
